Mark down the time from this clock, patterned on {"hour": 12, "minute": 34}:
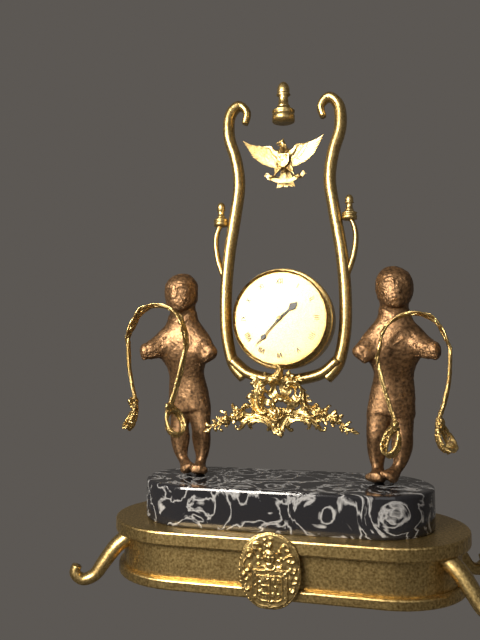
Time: {"hour": 1, "minute": 37}
